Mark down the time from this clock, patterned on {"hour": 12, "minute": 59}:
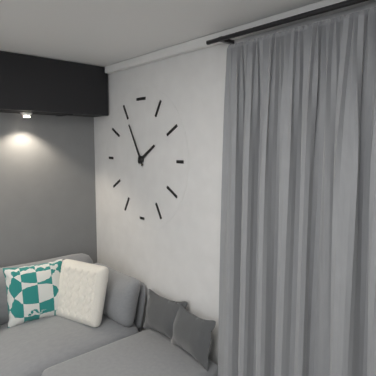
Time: {"hour": 1, "minute": 55}
